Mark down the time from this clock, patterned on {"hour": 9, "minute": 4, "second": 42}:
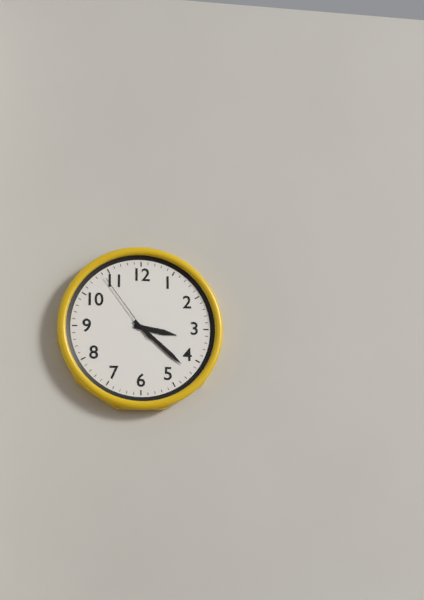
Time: {"hour": 3, "minute": 22, "second": 54}
